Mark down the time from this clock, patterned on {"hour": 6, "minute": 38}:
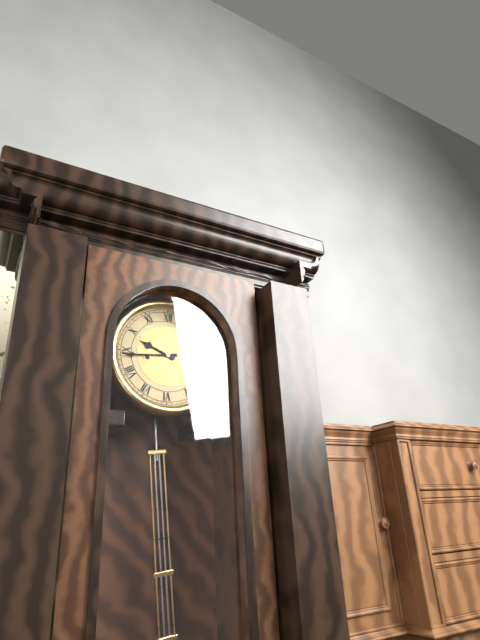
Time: {"hour": 9, "minute": 44}
